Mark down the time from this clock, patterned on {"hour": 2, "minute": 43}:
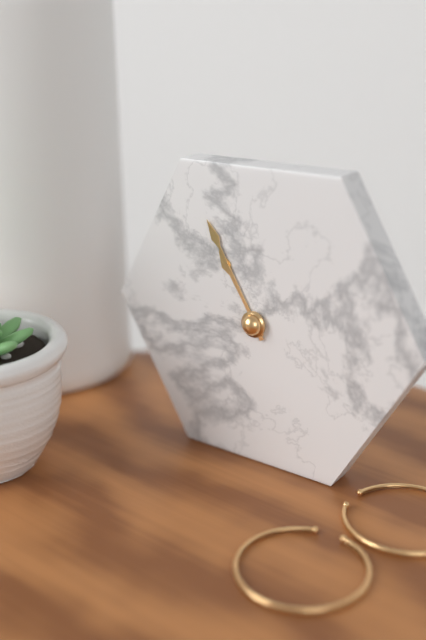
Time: {"hour": 10, "minute": 55}
